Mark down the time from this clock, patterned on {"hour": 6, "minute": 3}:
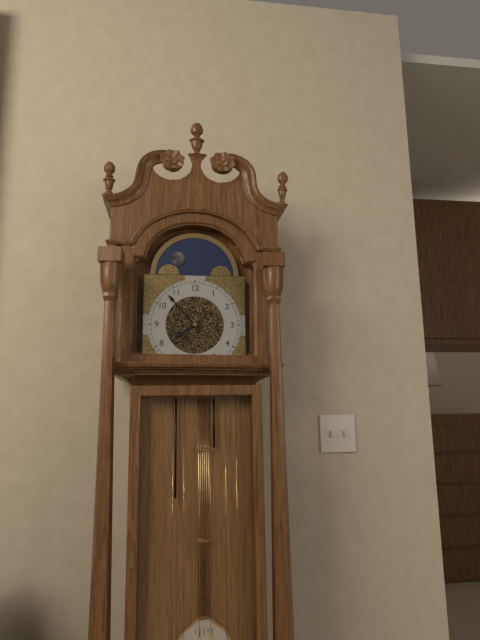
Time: {"hour": 7, "minute": 53}
